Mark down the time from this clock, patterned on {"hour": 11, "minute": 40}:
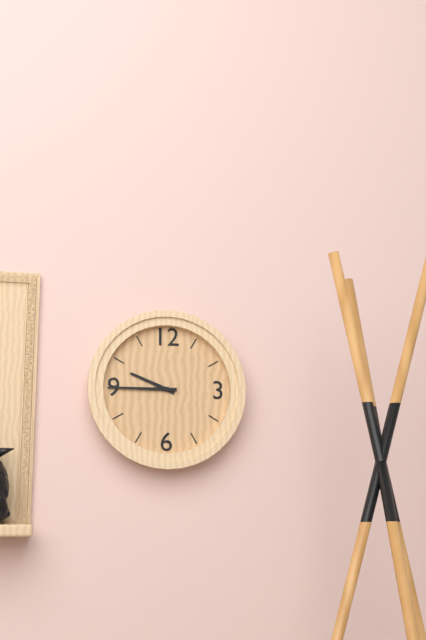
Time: {"hour": 9, "minute": 45}
